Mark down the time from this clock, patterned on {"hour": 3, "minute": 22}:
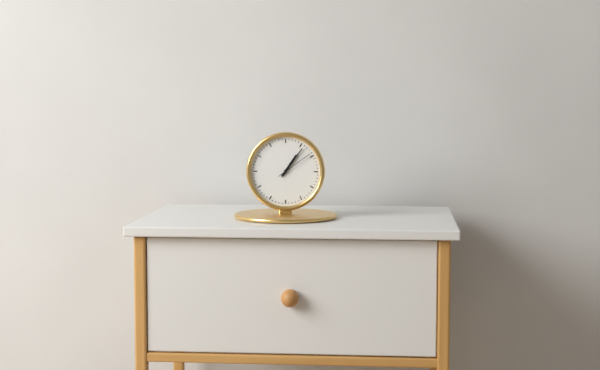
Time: {"hour": 1, "minute": 6}
